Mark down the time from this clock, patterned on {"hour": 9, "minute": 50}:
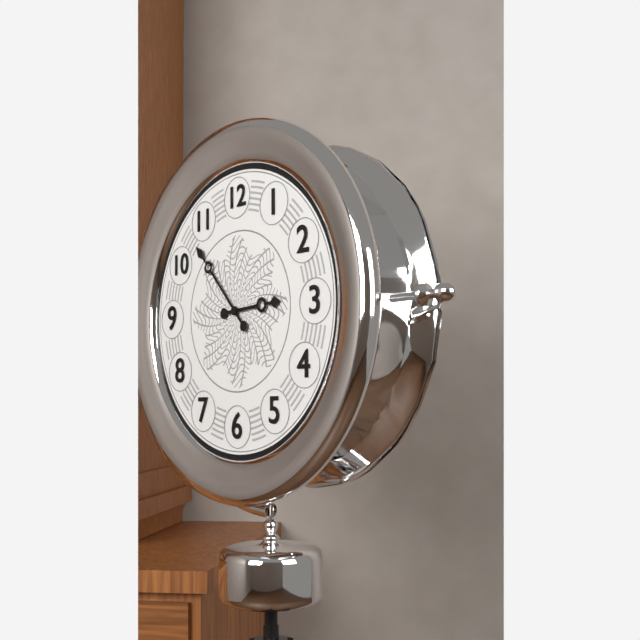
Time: {"hour": 2, "minute": 53}
